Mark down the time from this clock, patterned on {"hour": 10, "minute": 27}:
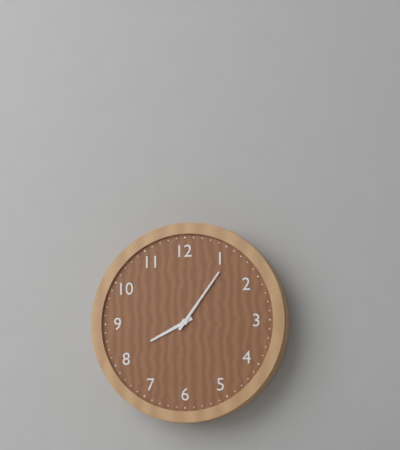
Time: {"hour": 8, "minute": 6}
